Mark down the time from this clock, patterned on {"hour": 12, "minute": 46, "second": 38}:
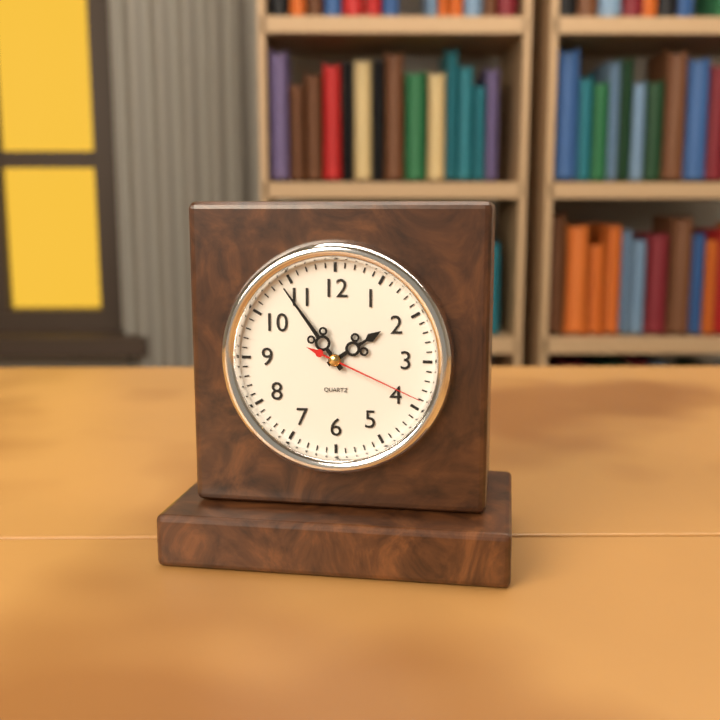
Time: {"hour": 1, "minute": 54, "second": 19}
